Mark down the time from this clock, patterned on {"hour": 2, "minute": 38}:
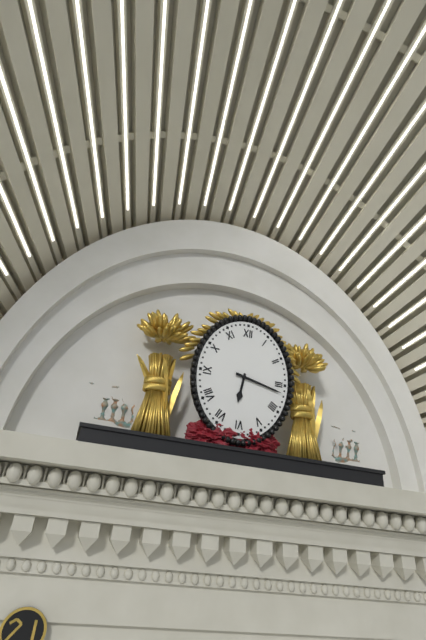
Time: {"hour": 6, "minute": 17}
